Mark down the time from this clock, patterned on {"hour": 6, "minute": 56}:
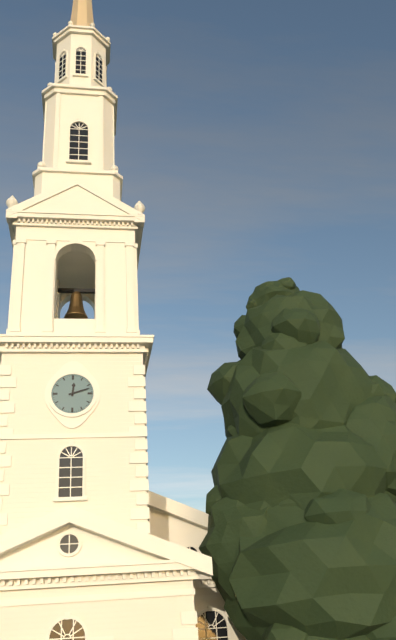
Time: {"hour": 12, "minute": 12}
